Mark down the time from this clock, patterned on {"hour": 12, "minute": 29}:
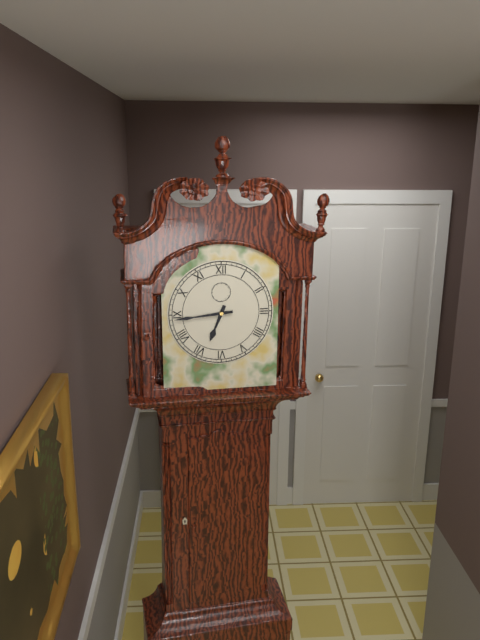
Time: {"hour": 6, "minute": 44}
